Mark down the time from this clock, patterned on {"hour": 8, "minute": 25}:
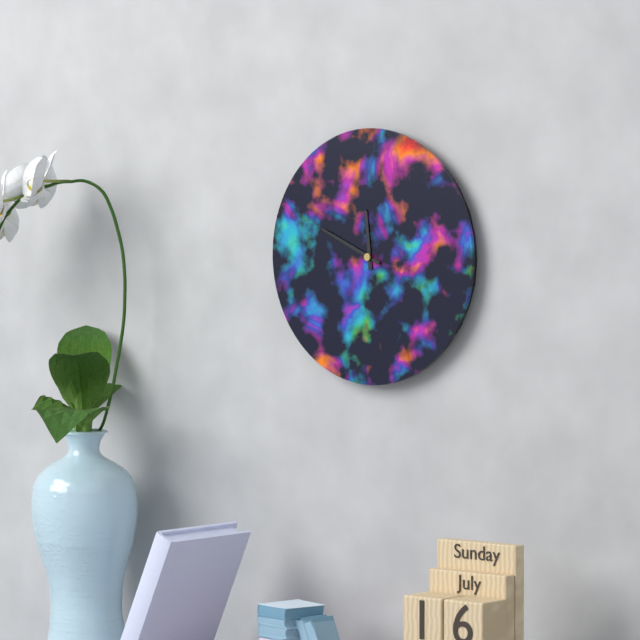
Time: {"hour": 11, "minute": 49}
